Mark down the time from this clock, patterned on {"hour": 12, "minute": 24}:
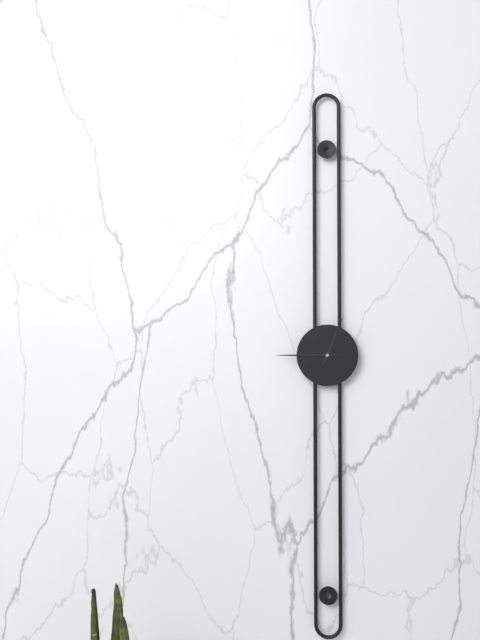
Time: {"hour": 12, "minute": 45}
